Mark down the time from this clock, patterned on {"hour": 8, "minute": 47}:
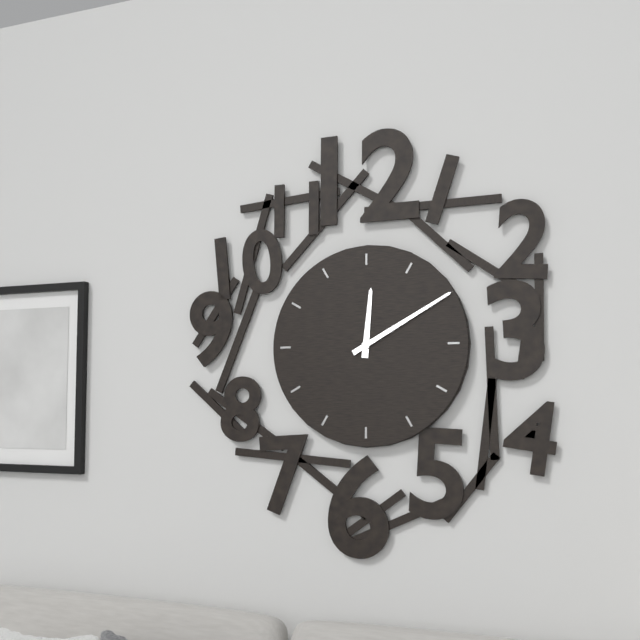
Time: {"hour": 12, "minute": 10}
